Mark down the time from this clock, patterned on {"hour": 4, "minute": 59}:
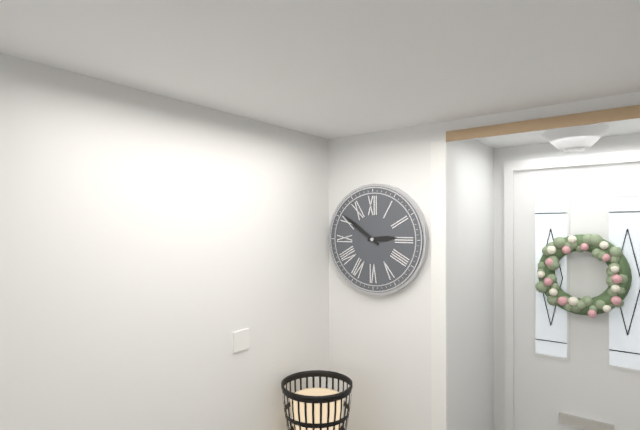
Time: {"hour": 2, "minute": 51}
